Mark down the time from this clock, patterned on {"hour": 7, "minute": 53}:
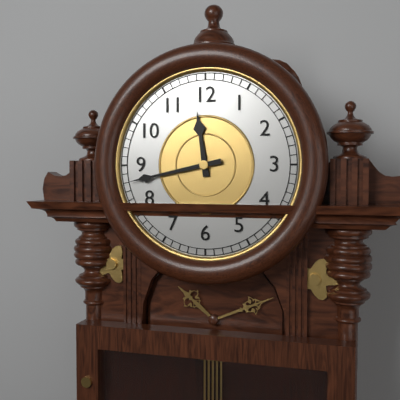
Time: {"hour": 11, "minute": 43}
